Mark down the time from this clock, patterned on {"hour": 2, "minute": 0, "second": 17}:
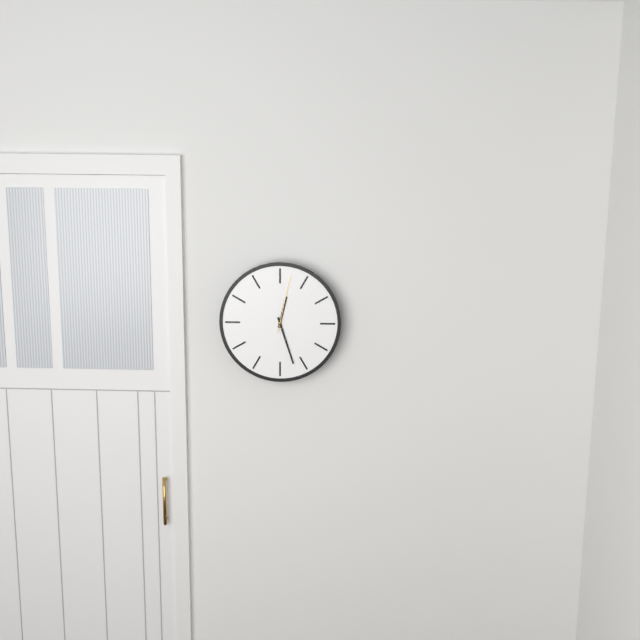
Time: {"hour": 12, "minute": 27, "second": 2}
